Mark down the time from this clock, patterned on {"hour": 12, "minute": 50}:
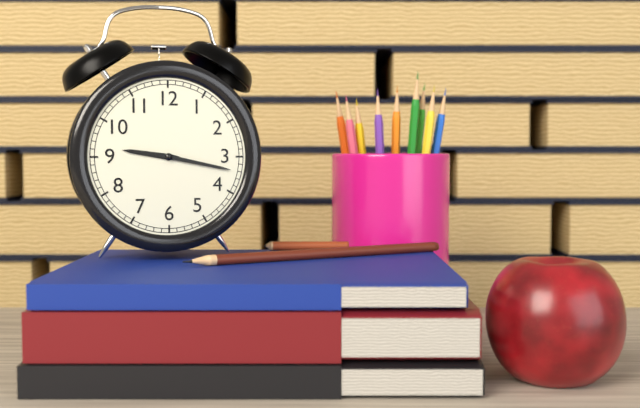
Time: {"hour": 9, "minute": 17}
